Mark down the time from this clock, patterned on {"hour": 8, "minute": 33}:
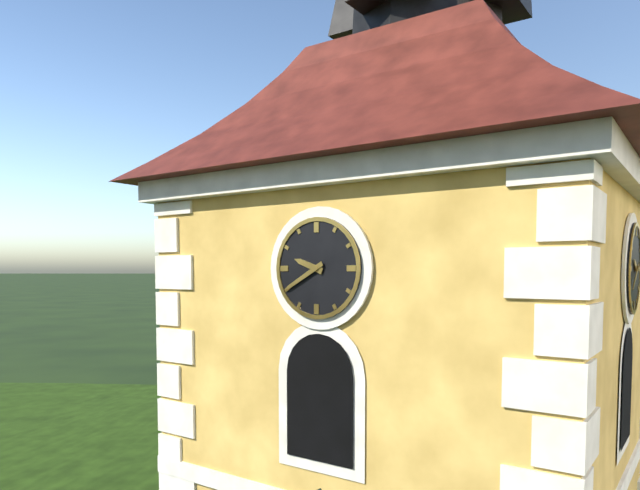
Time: {"hour": 9, "minute": 40}
